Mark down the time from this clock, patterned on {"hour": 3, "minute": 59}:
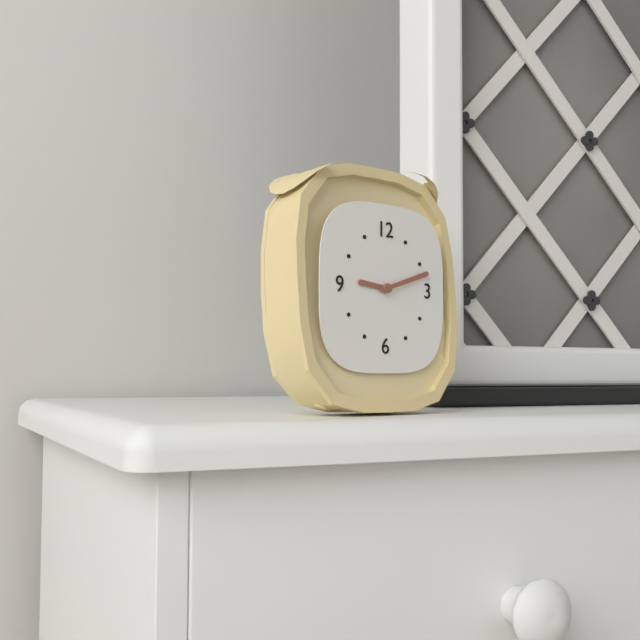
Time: {"hour": 9, "minute": 12}
